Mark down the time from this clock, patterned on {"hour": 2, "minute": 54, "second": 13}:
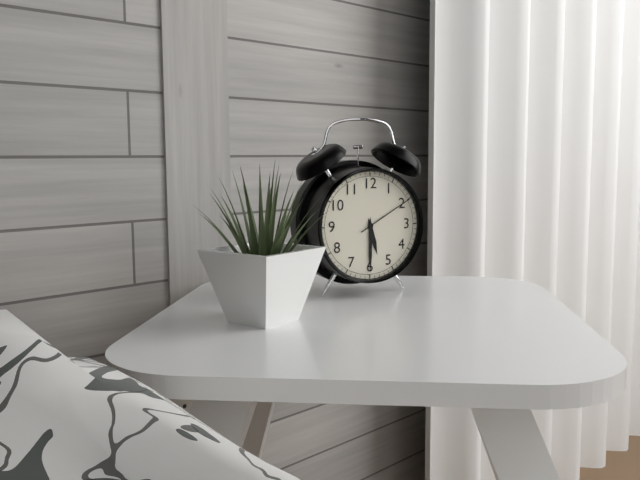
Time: {"hour": 5, "minute": 30, "second": 10}
